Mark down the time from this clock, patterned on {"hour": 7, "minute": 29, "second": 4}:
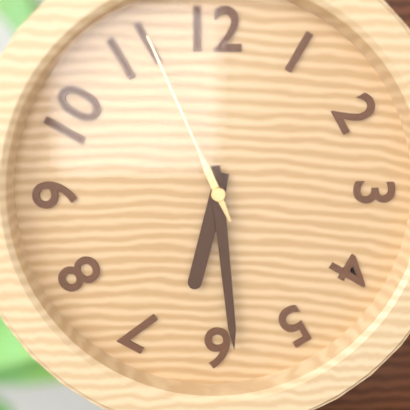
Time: {"hour": 6, "minute": 29, "second": 56}
